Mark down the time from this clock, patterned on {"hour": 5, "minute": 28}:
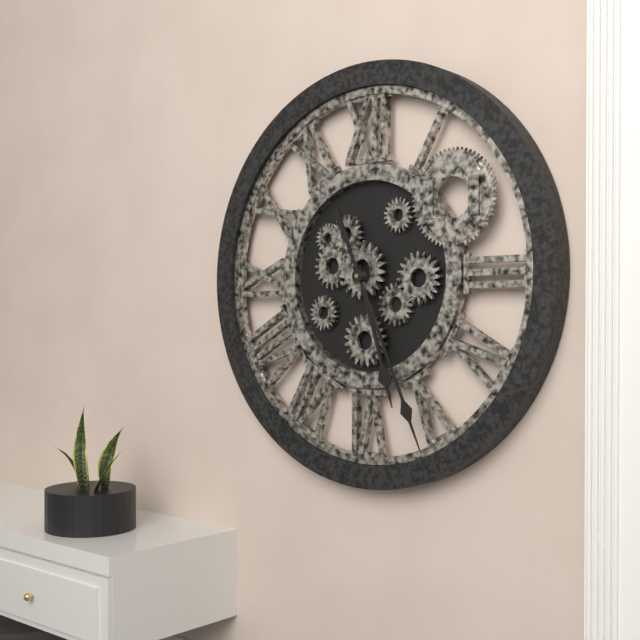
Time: {"hour": 5, "minute": 26}
